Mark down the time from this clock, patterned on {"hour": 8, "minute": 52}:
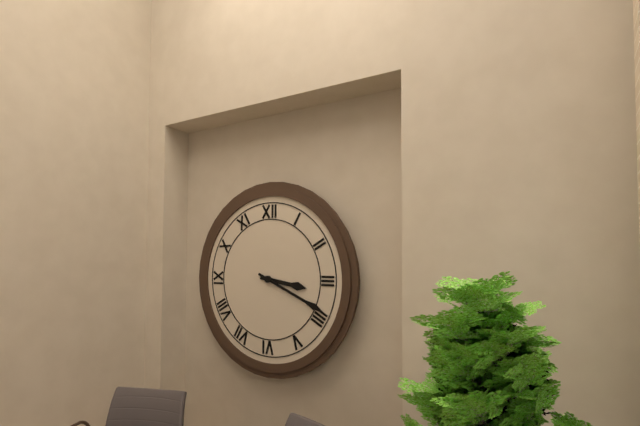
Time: {"hour": 3, "minute": 19}
